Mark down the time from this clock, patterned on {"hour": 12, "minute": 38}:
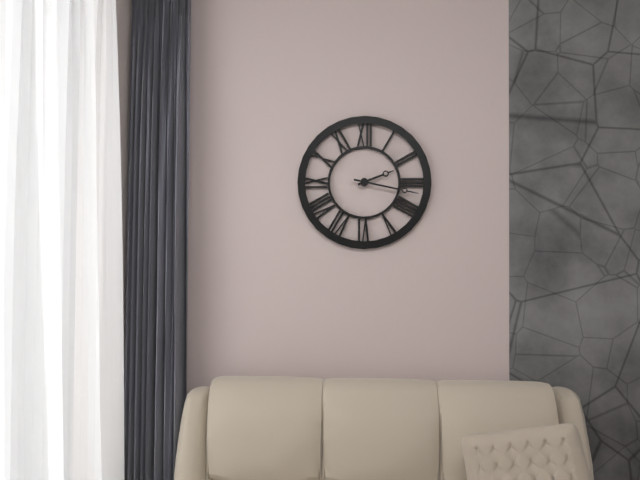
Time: {"hour": 2, "minute": 17}
